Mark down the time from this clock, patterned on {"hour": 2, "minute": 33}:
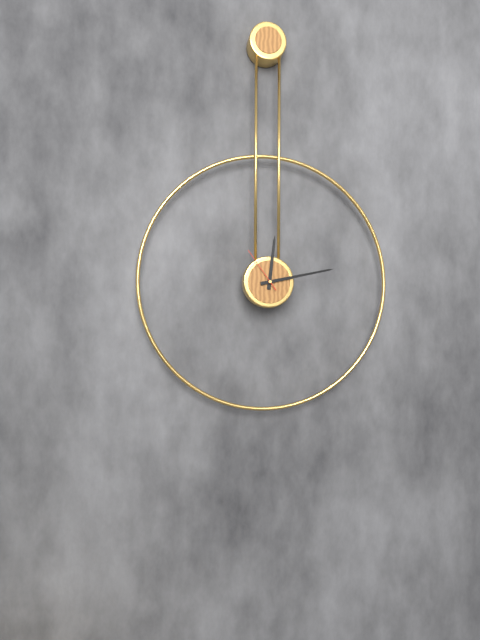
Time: {"hour": 12, "minute": 13}
